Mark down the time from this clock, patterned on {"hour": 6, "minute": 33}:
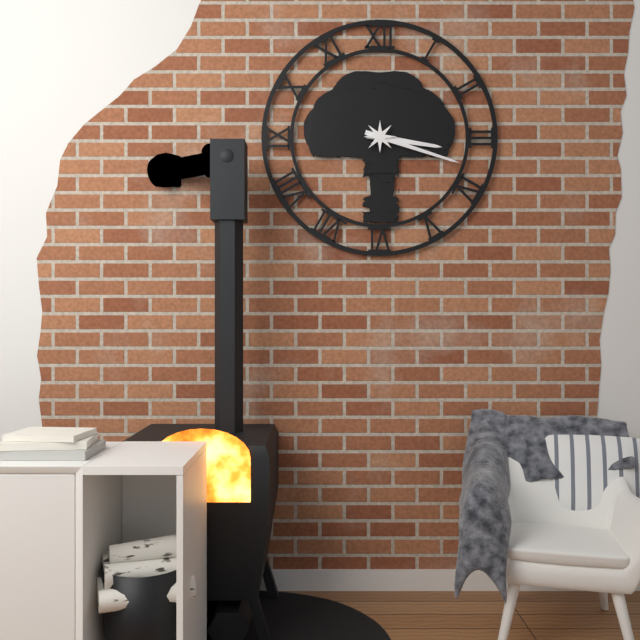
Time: {"hour": 3, "minute": 18}
